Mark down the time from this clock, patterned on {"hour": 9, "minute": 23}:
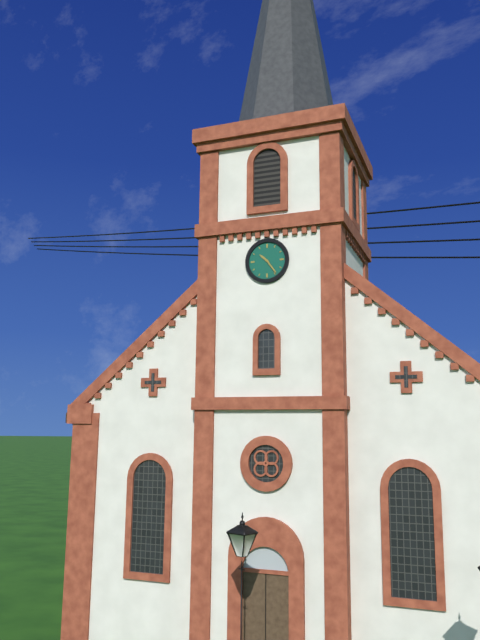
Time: {"hour": 10, "minute": 24}
